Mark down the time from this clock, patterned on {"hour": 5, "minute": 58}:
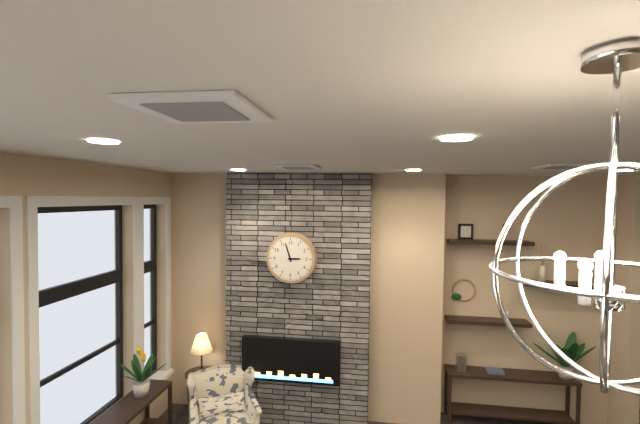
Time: {"hour": 2, "minute": 57}
